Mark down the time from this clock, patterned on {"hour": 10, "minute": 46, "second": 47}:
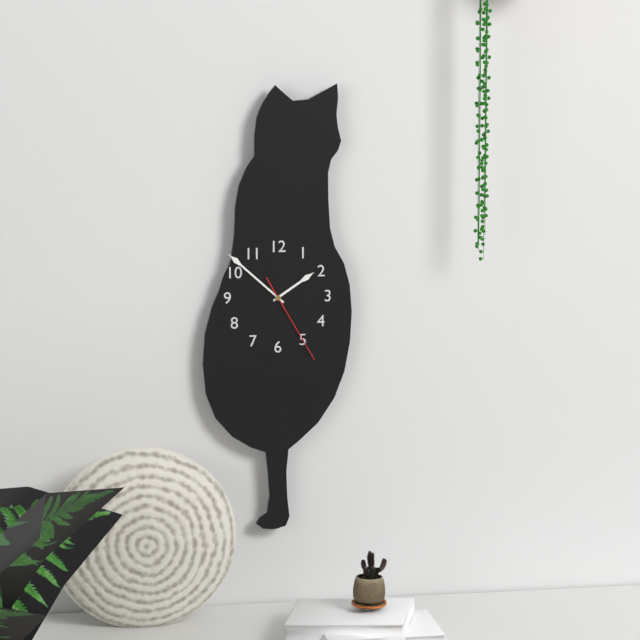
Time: {"hour": 1, "minute": 52, "second": 25}
